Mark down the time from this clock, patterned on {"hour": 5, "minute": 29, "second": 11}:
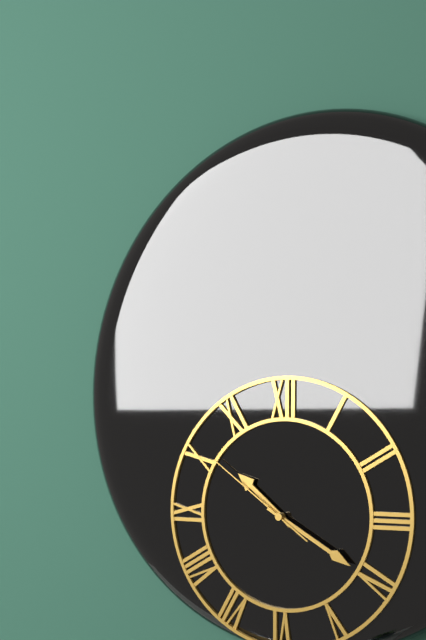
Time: {"hour": 10, "minute": 20, "second": 51}
